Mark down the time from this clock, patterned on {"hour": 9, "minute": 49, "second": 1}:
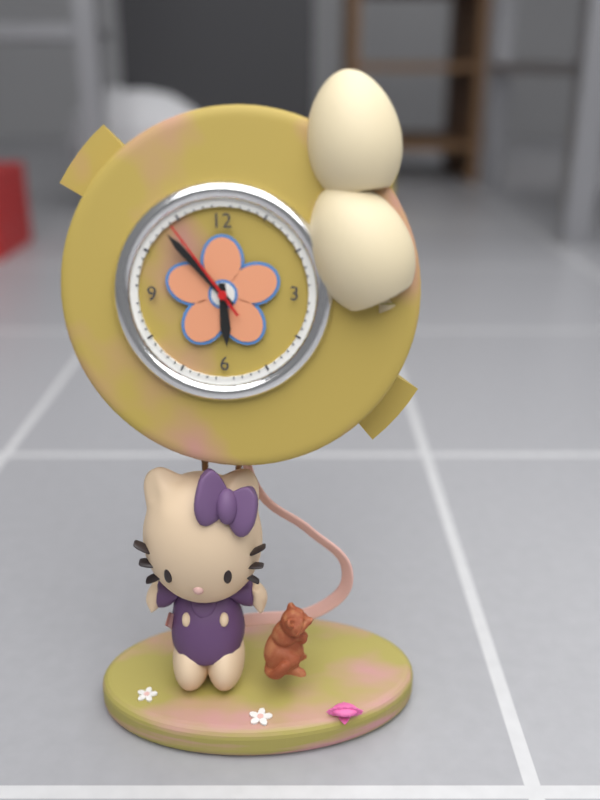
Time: {"hour": 5, "minute": 53, "second": 54}
